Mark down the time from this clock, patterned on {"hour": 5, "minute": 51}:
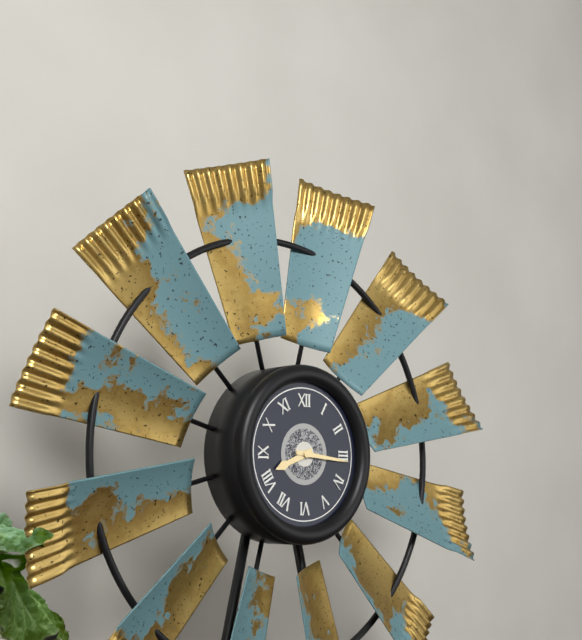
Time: {"hour": 8, "minute": 16}
